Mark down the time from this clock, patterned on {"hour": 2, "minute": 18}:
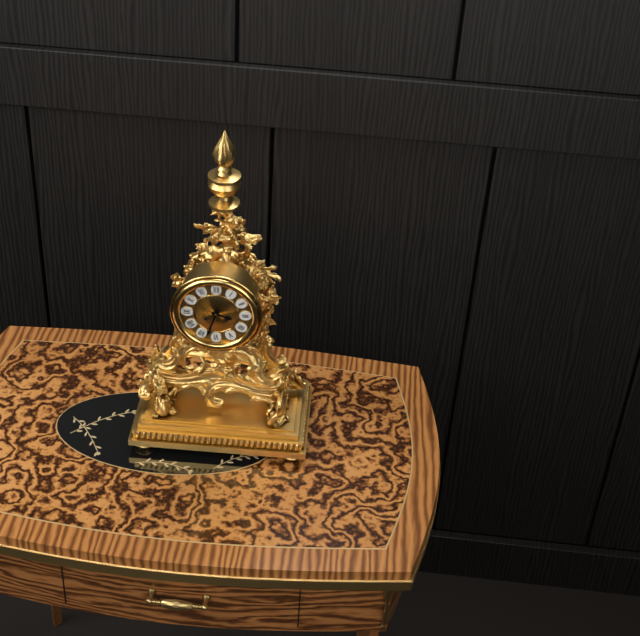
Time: {"hour": 3, "minute": 33}
